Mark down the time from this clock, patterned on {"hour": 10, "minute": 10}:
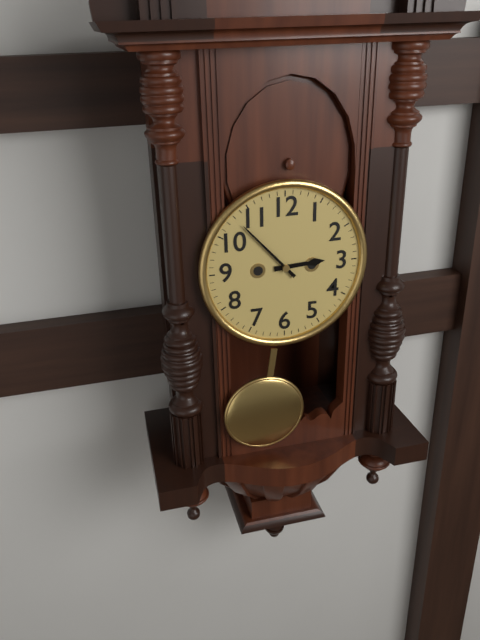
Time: {"hour": 2, "minute": 53}
